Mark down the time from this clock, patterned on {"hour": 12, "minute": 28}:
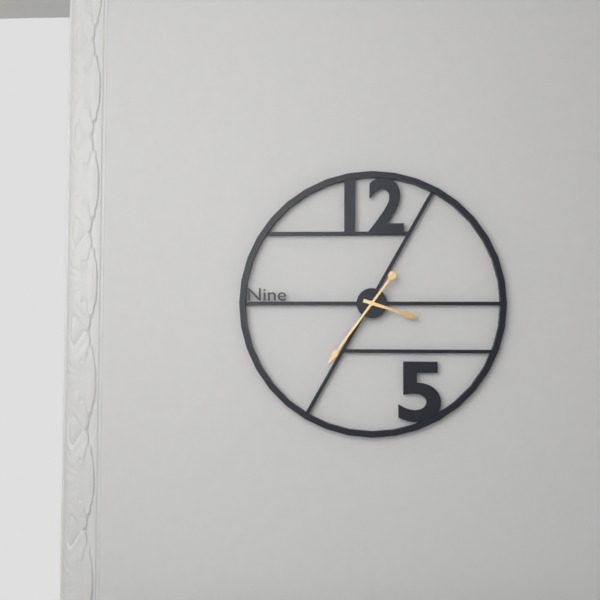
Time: {"hour": 3, "minute": 36}
